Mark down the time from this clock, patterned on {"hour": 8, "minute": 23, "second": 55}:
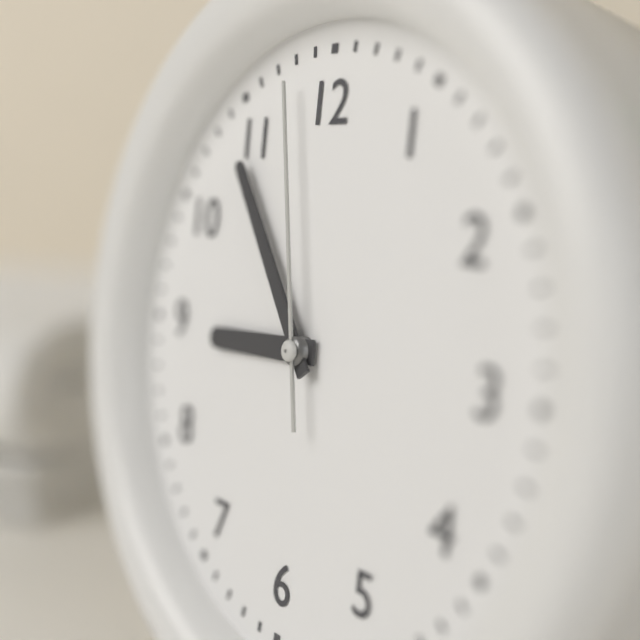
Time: {"hour": 8, "minute": 54, "second": 58}
